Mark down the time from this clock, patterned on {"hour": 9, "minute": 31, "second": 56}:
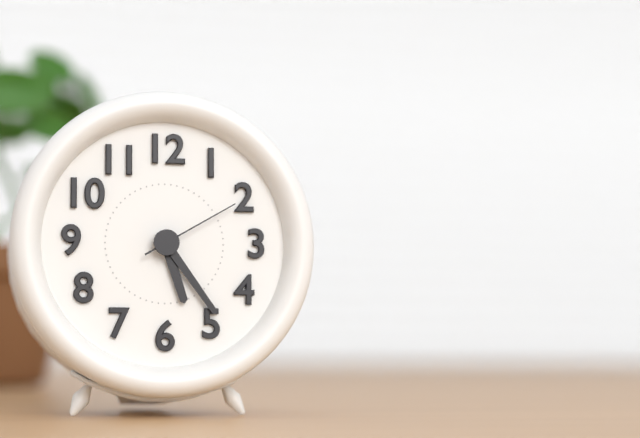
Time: {"hour": 5, "minute": 24, "second": 10}
